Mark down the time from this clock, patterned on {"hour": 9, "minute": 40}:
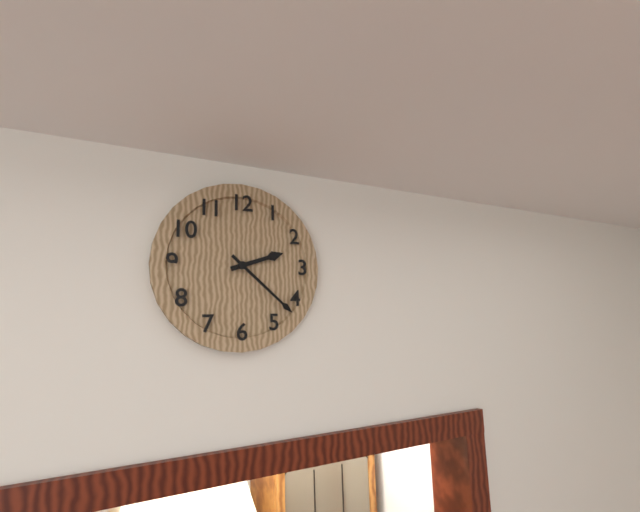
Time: {"hour": 2, "minute": 22}
